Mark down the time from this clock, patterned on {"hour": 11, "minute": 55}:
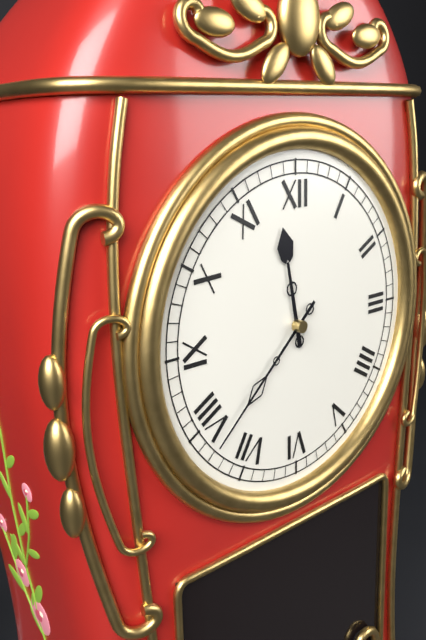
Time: {"hour": 11, "minute": 38}
